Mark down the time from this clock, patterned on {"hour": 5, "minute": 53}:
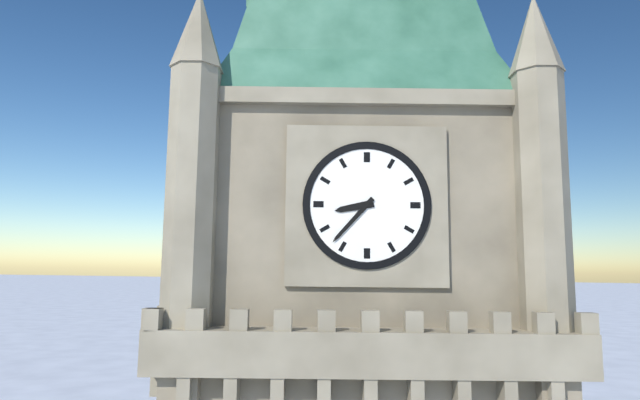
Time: {"hour": 8, "minute": 37}
